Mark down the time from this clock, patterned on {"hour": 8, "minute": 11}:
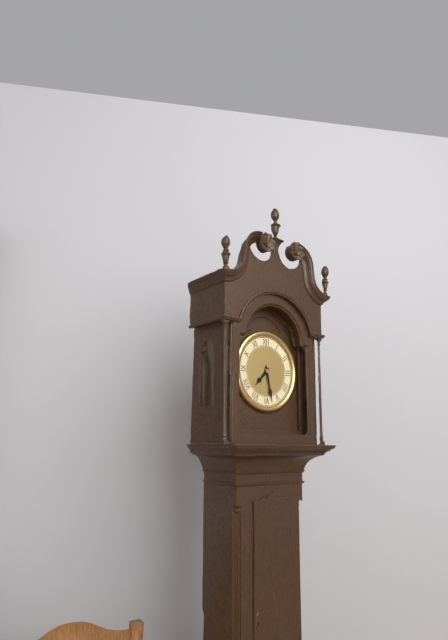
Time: {"hour": 7, "minute": 28}
